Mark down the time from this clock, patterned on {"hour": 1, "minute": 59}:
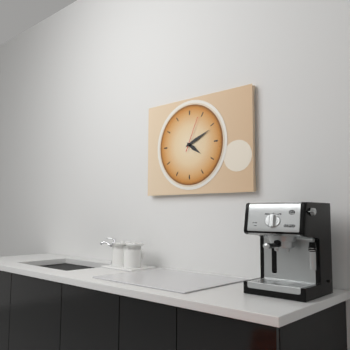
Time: {"hour": 4, "minute": 11}
